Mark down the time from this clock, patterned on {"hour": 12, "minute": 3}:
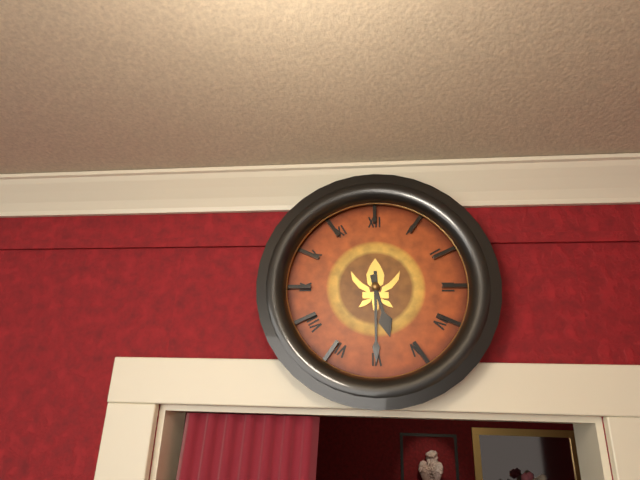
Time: {"hour": 5, "minute": 30}
